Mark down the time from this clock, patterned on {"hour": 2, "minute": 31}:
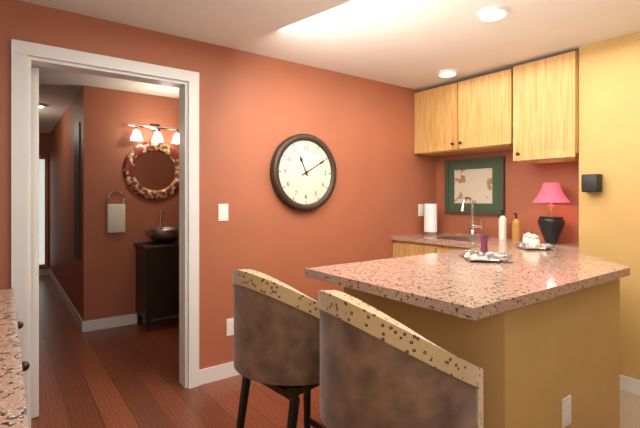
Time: {"hour": 11, "minute": 10}
